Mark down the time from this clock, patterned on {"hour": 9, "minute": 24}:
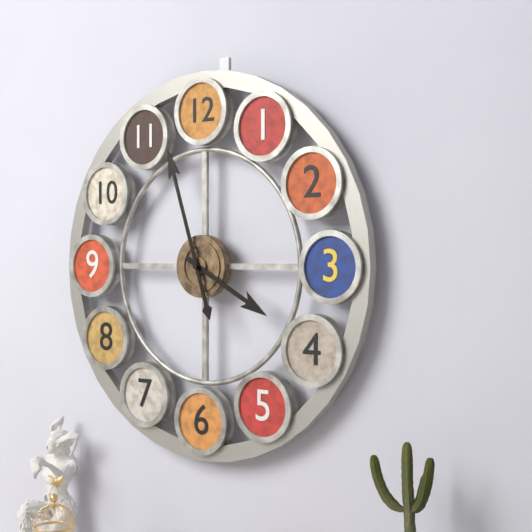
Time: {"hour": 3, "minute": 57}
